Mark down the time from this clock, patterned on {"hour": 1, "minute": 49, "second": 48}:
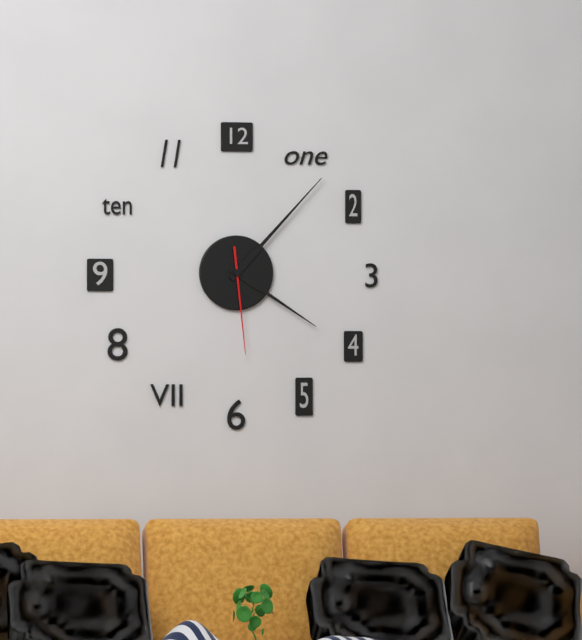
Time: {"hour": 4, "minute": 7, "second": 29}
